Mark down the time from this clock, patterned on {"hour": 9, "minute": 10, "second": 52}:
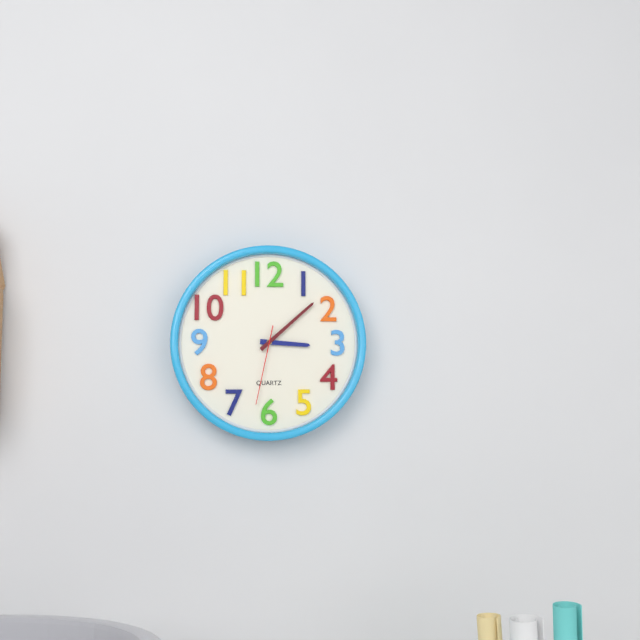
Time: {"hour": 3, "minute": 8, "second": 32}
